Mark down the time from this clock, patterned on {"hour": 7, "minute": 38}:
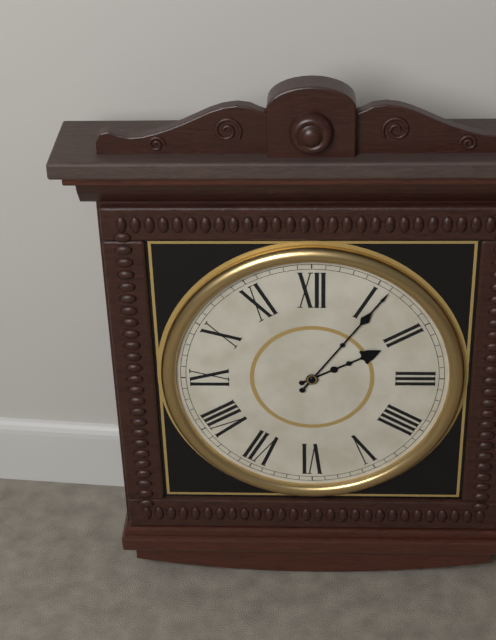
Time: {"hour": 2, "minute": 6}
